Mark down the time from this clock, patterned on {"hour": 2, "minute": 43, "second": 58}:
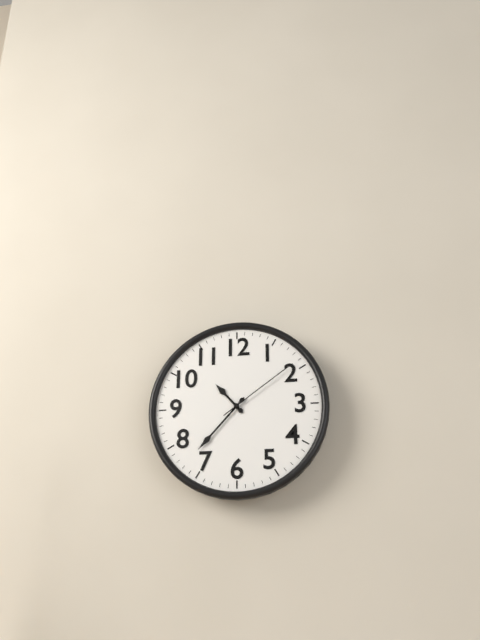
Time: {"hour": 10, "minute": 37, "second": 9}
